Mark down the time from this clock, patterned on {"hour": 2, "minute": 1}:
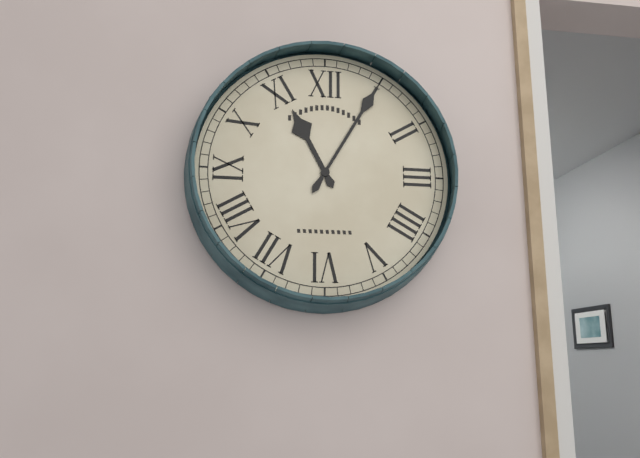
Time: {"hour": 11, "minute": 5}
